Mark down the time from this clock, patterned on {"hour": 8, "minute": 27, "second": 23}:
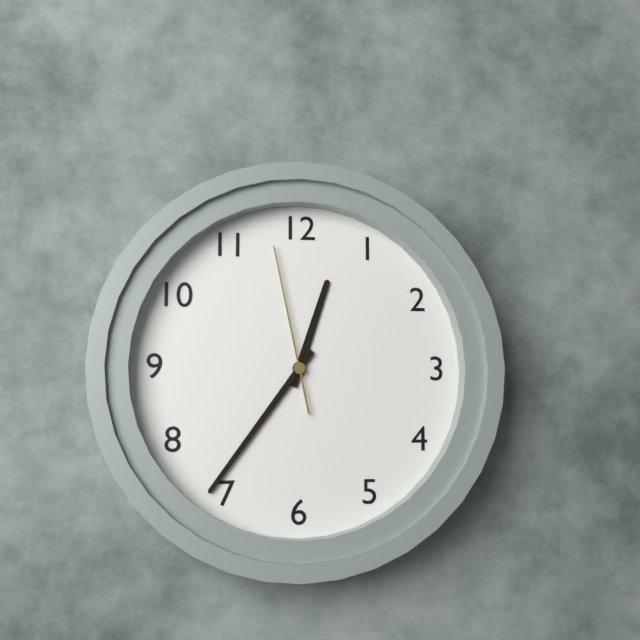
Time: {"hour": 12, "minute": 36, "second": 58}
